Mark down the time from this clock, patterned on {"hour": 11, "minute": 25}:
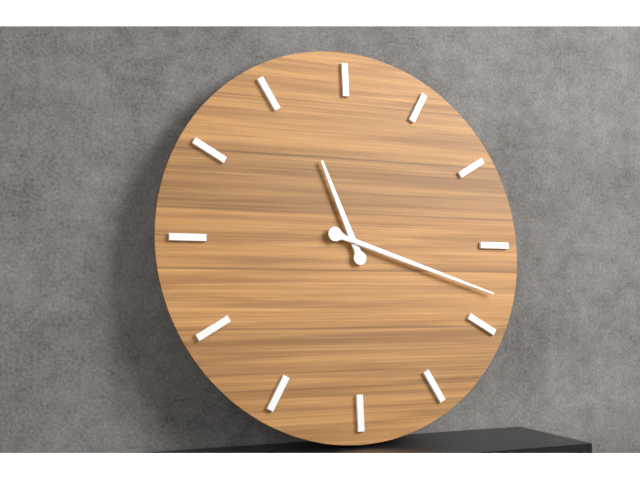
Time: {"hour": 11, "minute": 18}
